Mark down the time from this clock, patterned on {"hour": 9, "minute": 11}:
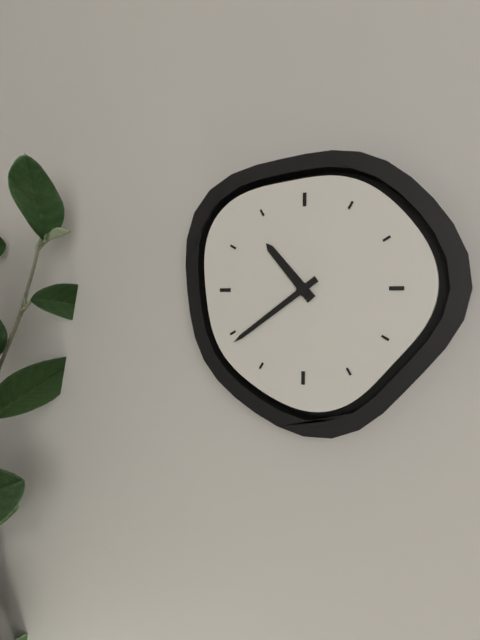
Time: {"hour": 10, "minute": 39}
